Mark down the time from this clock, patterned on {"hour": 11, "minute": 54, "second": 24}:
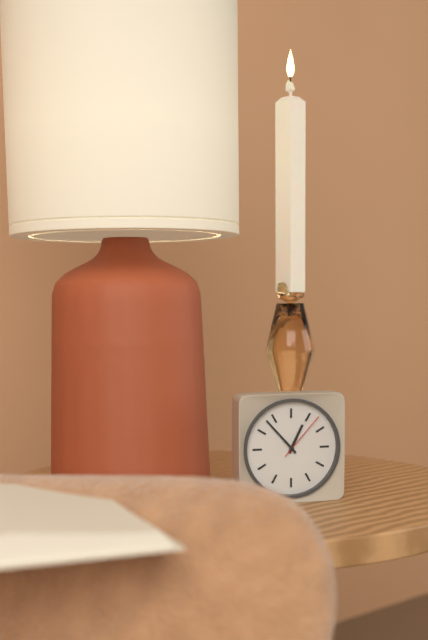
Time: {"hour": 12, "minute": 53, "second": 7}
